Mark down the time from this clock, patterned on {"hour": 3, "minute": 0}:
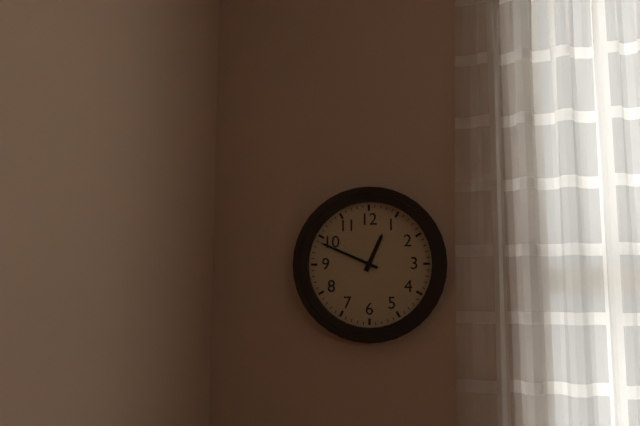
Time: {"hour": 12, "minute": 49}
